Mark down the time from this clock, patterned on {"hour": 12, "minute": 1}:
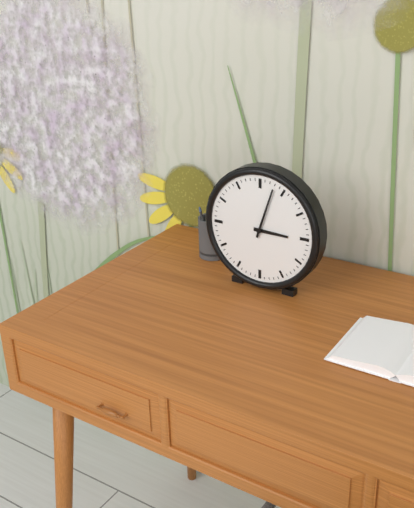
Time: {"hour": 3, "minute": 3}
